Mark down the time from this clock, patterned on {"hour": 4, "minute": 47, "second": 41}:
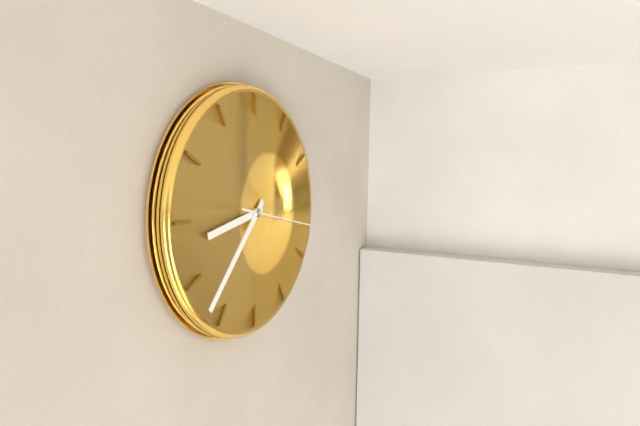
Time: {"hour": 8, "minute": 37, "second": 17}
